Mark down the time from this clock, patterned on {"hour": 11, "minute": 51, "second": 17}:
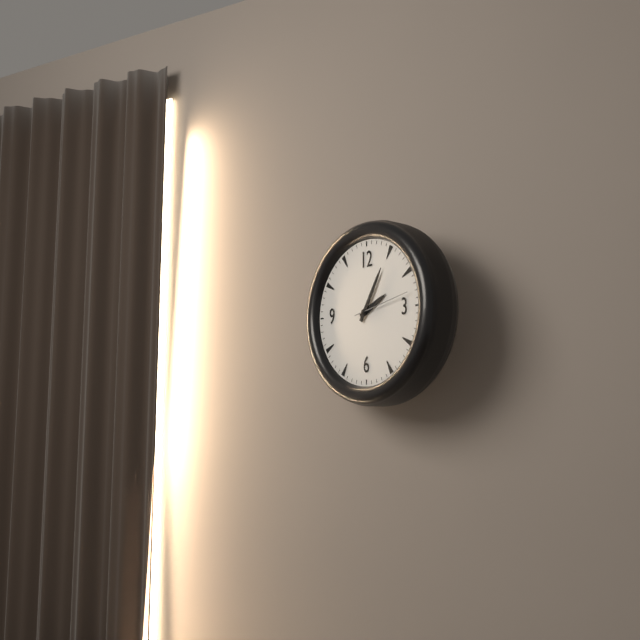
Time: {"hour": 2, "minute": 5, "second": 13}
